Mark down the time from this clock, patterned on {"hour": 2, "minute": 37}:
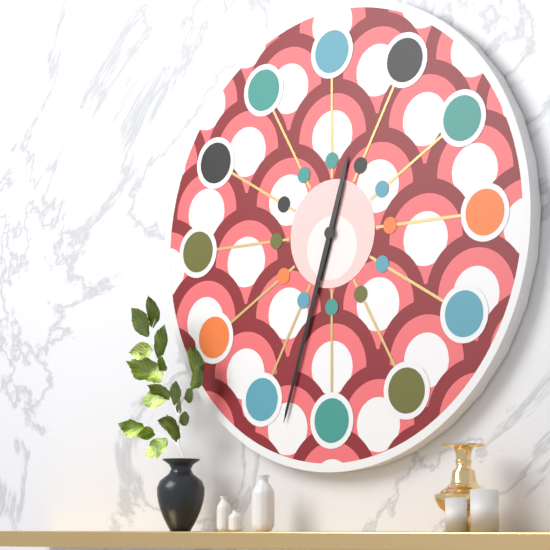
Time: {"hour": 12, "minute": 33}
